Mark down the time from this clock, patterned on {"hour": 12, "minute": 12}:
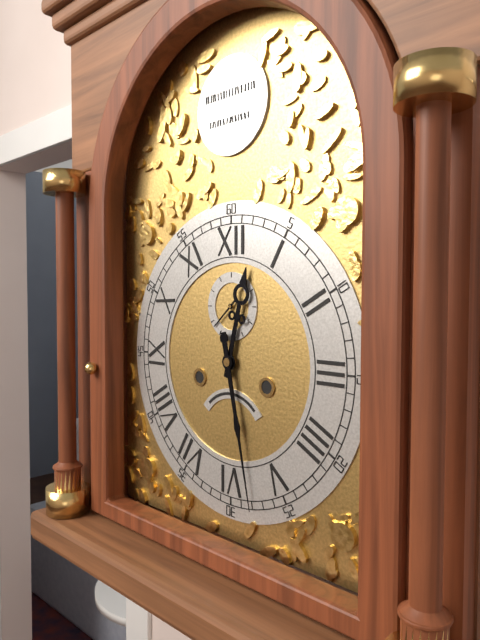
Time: {"hour": 12, "minute": 28}
